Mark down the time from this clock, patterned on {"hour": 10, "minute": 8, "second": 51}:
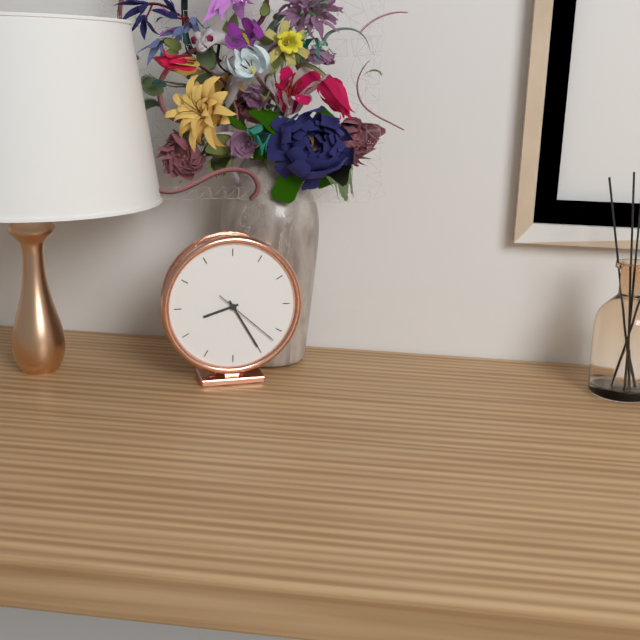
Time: {"hour": 8, "minute": 25, "second": 22}
